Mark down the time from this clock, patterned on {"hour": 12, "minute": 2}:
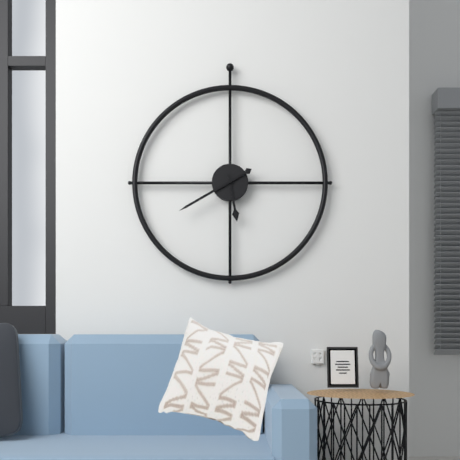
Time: {"hour": 5, "minute": 40}
